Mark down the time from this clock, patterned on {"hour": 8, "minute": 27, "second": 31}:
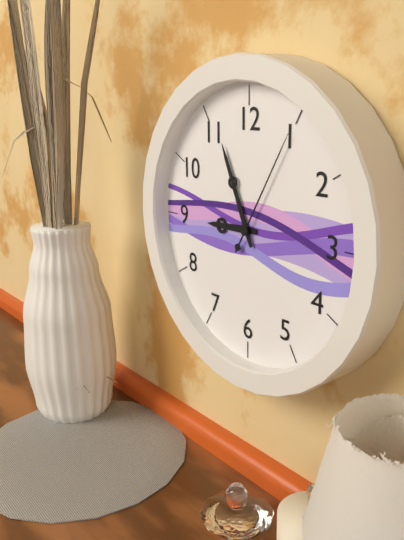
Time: {"hour": 8, "minute": 56, "second": 5}
